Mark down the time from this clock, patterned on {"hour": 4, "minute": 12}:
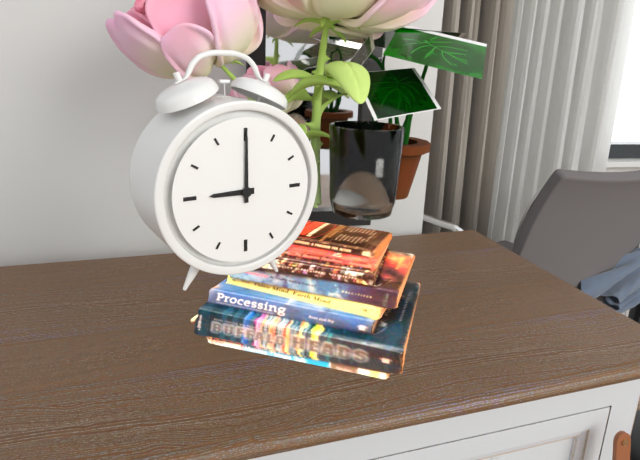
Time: {"hour": 9, "minute": 0}
